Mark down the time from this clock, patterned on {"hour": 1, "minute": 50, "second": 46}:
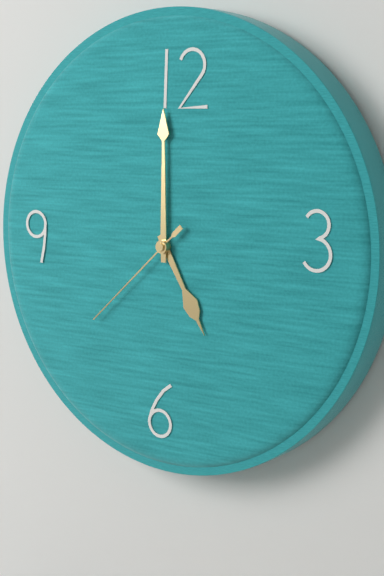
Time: {"hour": 5, "minute": 0, "second": 38}
